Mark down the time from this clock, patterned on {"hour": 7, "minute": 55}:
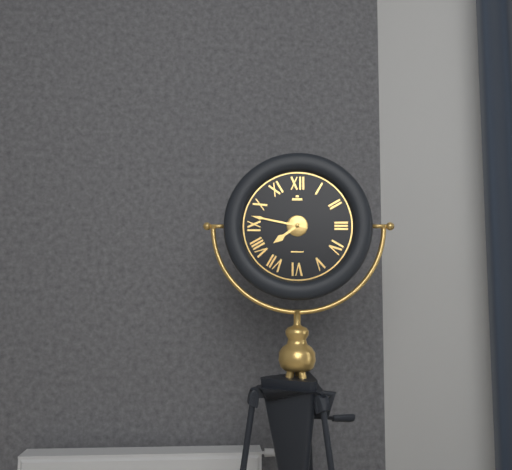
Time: {"hour": 7, "minute": 47}
